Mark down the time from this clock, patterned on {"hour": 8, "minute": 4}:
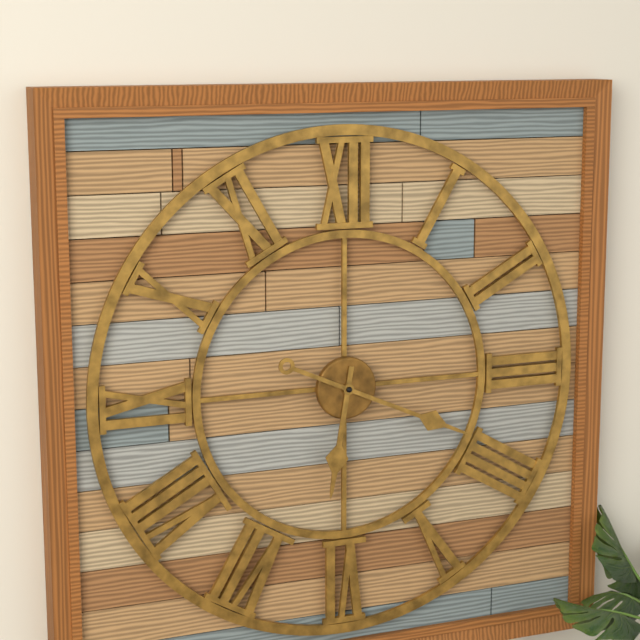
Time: {"hour": 6, "minute": 19}
